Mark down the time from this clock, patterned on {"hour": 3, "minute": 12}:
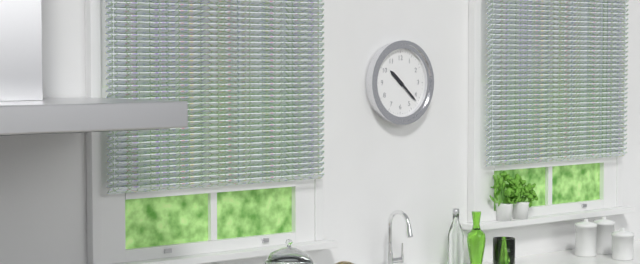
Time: {"hour": 10, "minute": 22}
